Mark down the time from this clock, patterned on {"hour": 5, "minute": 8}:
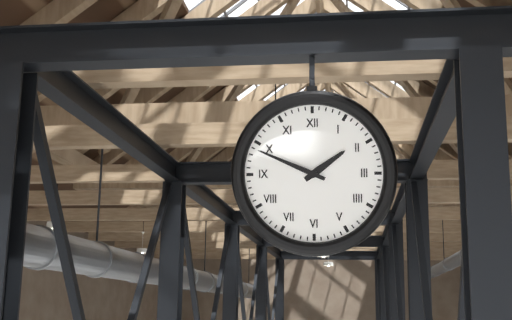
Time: {"hour": 1, "minute": 49}
